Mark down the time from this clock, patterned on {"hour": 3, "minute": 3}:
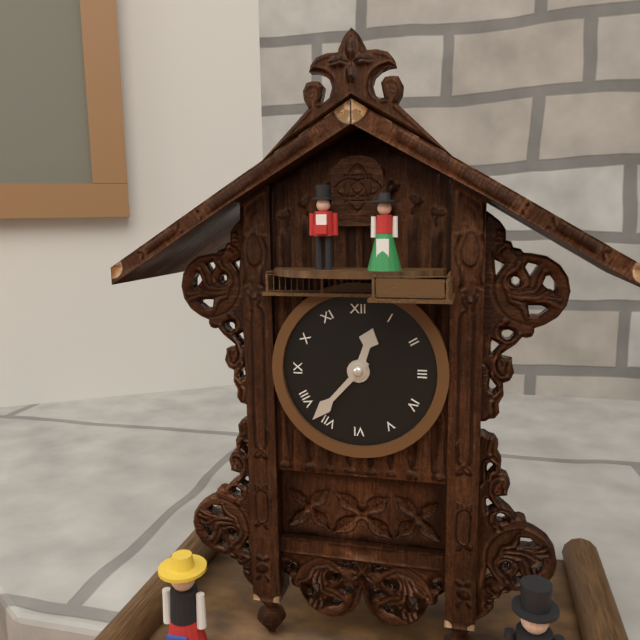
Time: {"hour": 12, "minute": 37}
